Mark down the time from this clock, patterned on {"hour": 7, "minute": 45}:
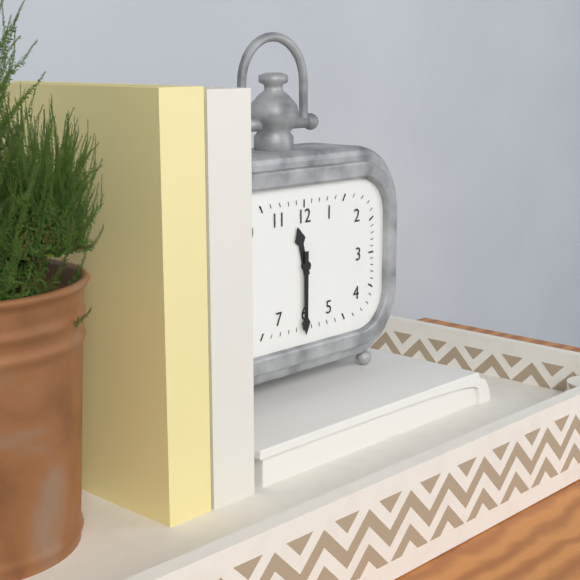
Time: {"hour": 11, "minute": 30}
